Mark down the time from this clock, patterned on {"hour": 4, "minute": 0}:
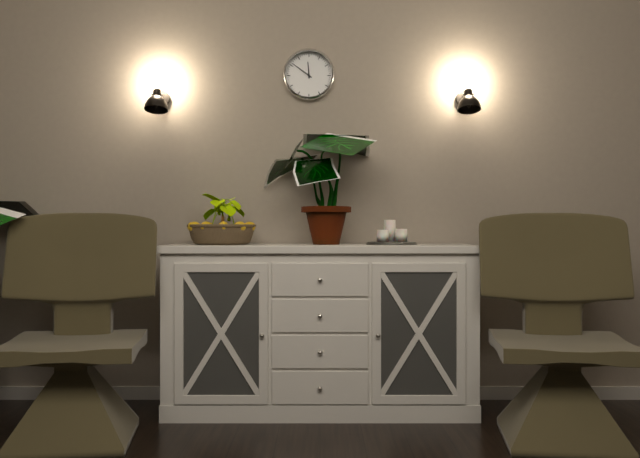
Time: {"hour": 11, "minute": 51}
